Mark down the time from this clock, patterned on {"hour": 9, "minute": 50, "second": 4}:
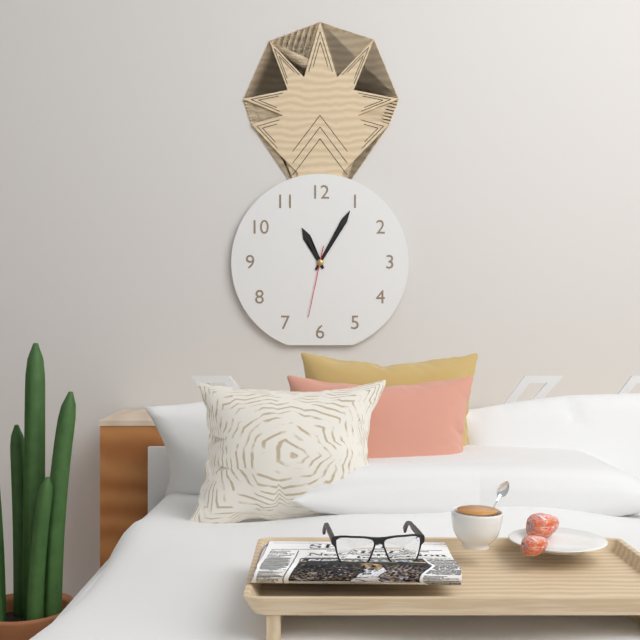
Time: {"hour": 11, "minute": 5, "second": 32}
